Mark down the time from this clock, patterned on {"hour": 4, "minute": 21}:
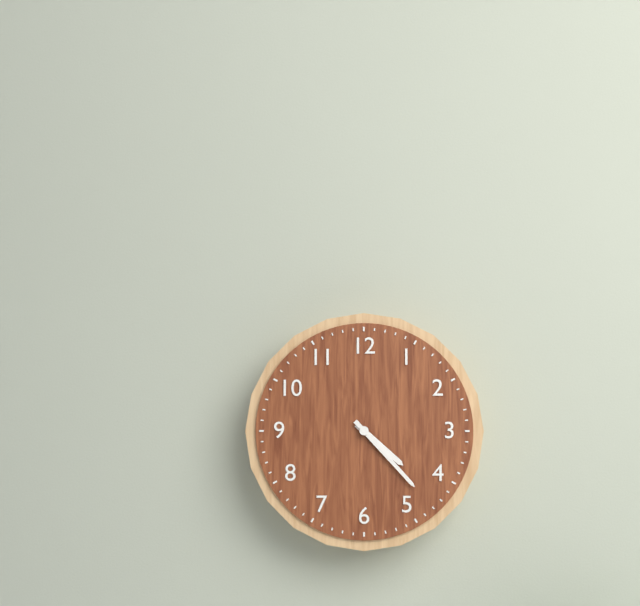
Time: {"hour": 4, "minute": 23}
